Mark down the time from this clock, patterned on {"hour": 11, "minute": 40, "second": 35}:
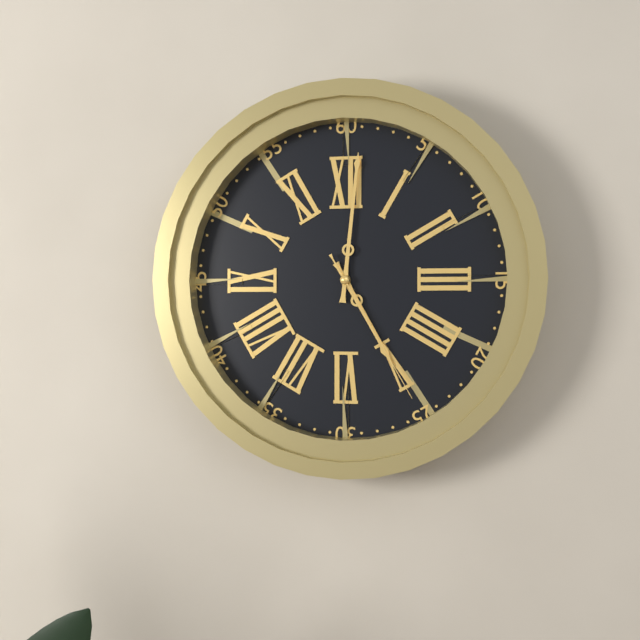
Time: {"hour": 5, "minute": 1, "second": 25}
